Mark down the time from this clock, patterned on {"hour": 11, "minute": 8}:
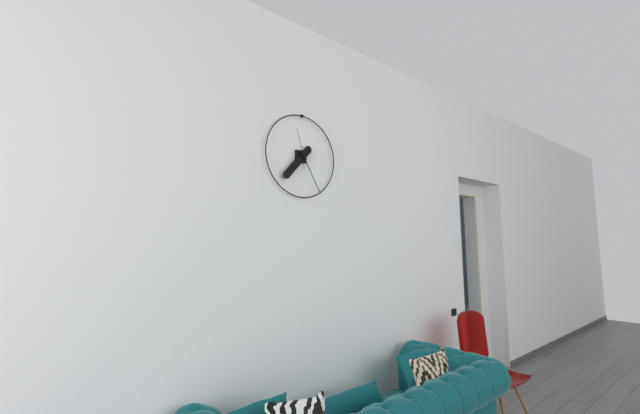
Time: {"hour": 7, "minute": 25}
